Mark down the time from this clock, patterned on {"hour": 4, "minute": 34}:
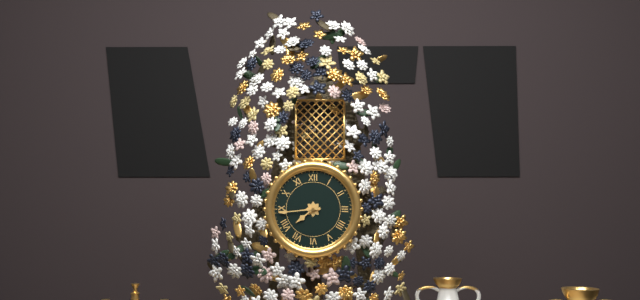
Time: {"hour": 7, "minute": 44}
